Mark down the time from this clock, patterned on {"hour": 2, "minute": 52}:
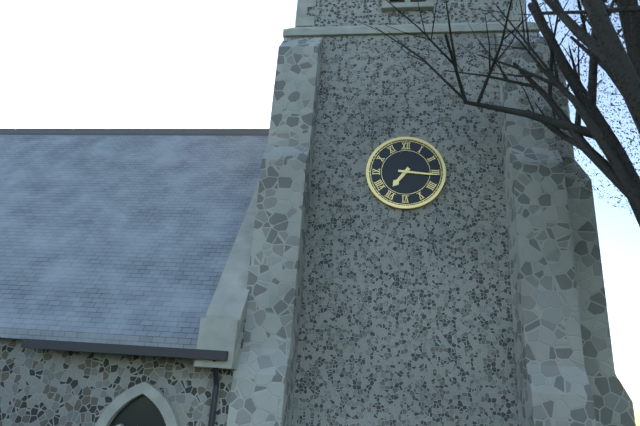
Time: {"hour": 7, "minute": 16}
